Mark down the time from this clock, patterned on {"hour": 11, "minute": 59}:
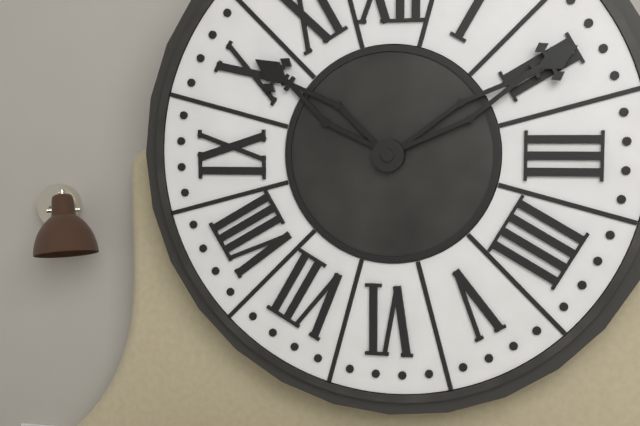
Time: {"hour": 10, "minute": 10}
